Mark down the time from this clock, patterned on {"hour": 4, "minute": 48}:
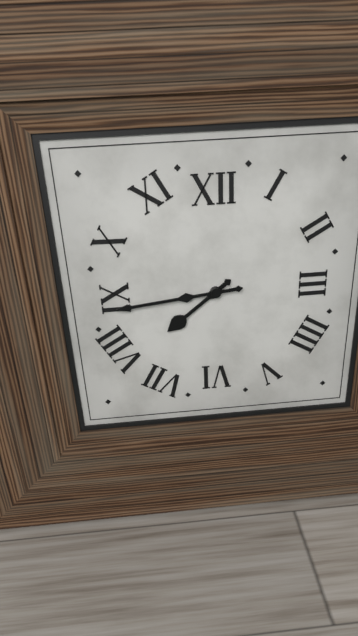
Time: {"hour": 7, "minute": 44}
